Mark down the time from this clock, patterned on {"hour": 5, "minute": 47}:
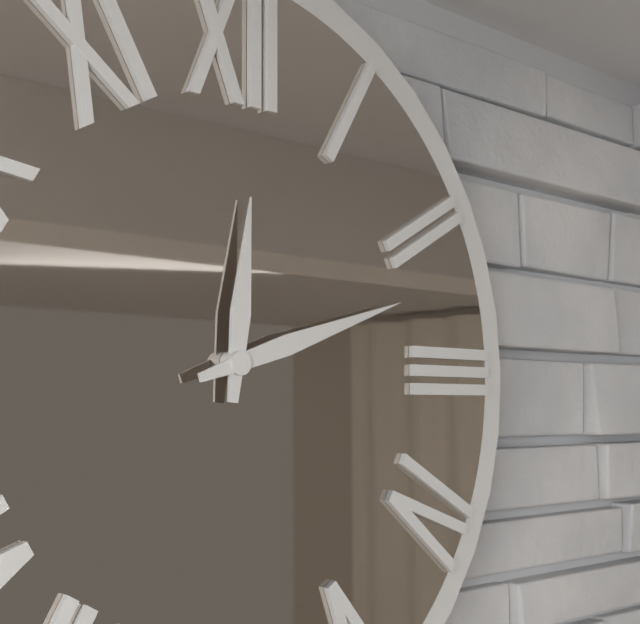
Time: {"hour": 12, "minute": 12}
